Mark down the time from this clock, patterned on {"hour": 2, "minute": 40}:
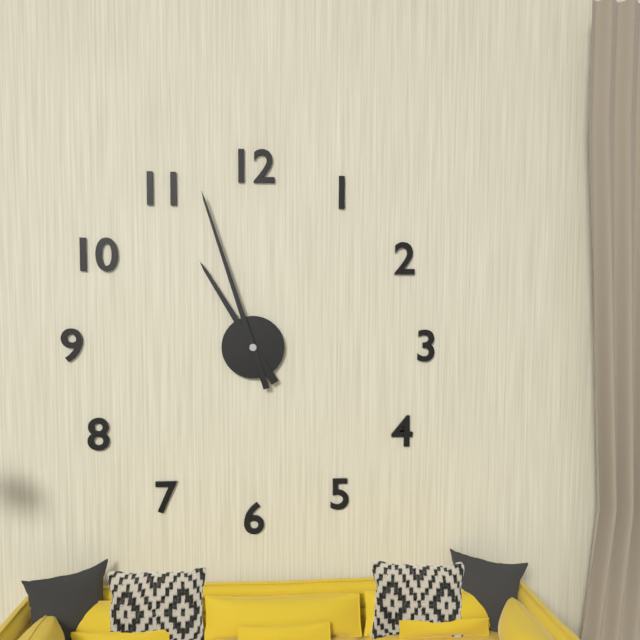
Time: {"hour": 10, "minute": 57}
